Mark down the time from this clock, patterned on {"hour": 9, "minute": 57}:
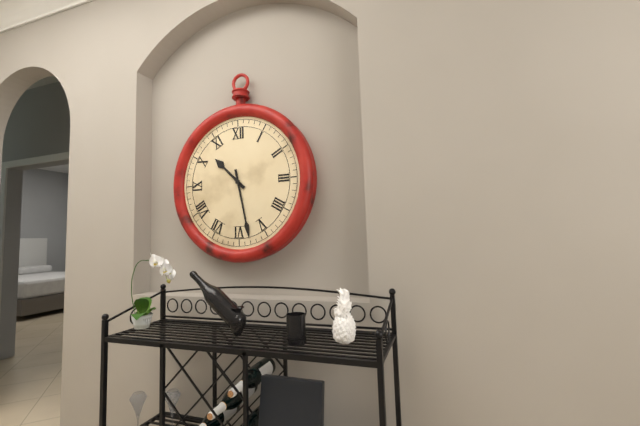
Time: {"hour": 10, "minute": 28}
